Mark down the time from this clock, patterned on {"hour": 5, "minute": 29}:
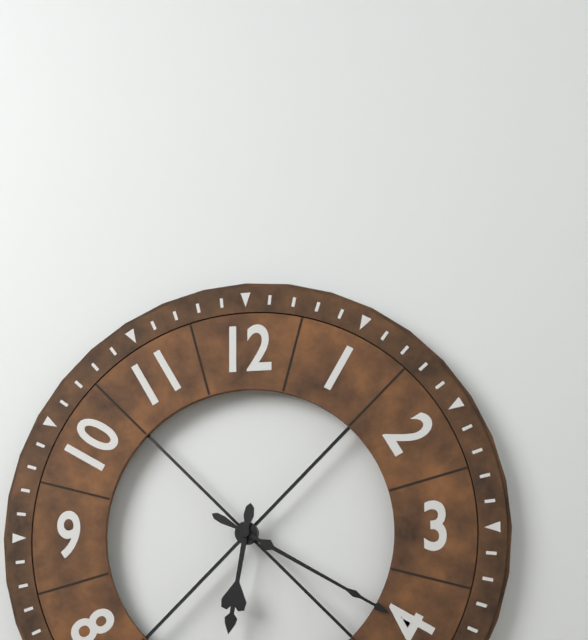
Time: {"hour": 6, "minute": 20}
